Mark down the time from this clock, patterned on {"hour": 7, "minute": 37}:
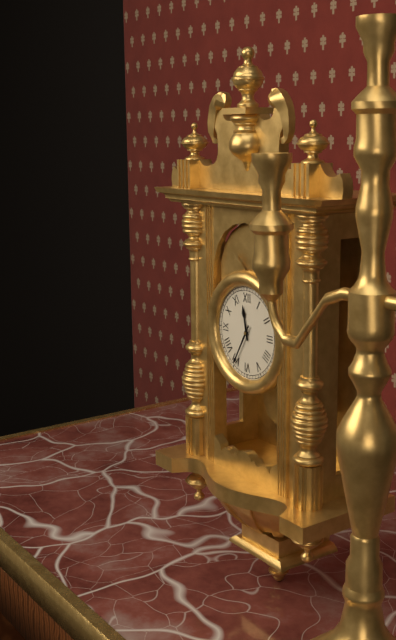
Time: {"hour": 11, "minute": 35}
